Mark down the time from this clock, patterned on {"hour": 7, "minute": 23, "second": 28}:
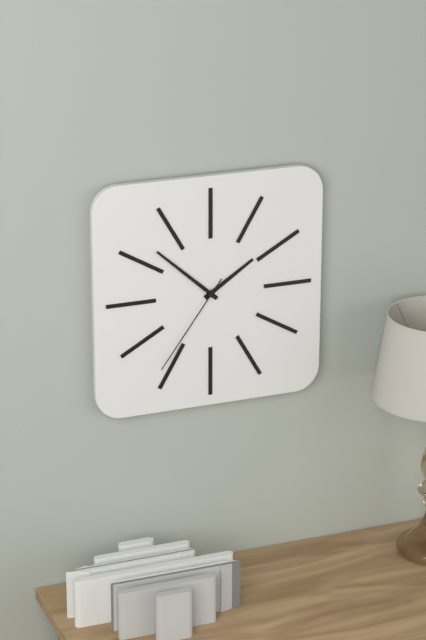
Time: {"hour": 1, "minute": 52, "second": 36}
